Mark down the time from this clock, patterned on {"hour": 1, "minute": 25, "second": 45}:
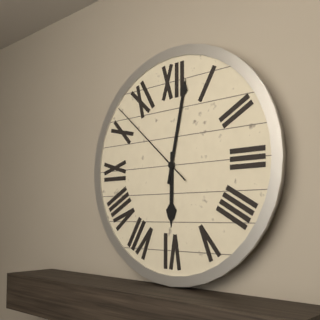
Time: {"hour": 6, "minute": 2, "second": 52}
